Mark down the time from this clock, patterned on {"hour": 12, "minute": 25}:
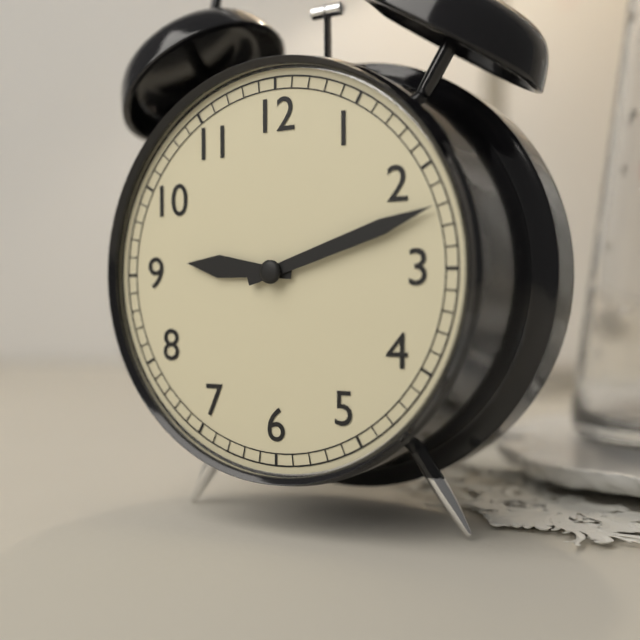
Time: {"hour": 9, "minute": 12}
